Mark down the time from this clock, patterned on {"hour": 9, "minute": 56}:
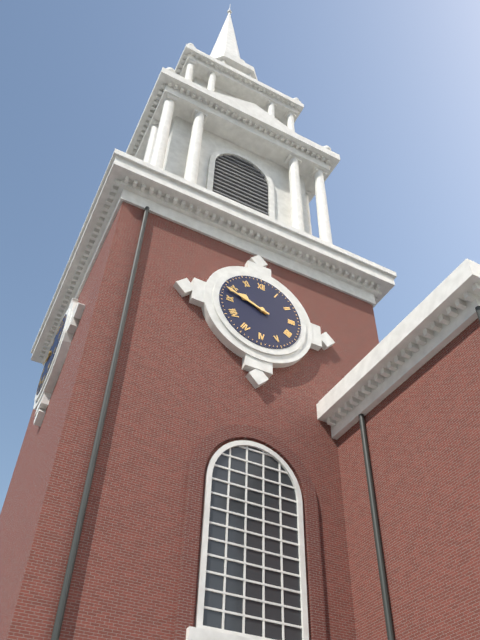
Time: {"hour": 9, "minute": 48}
